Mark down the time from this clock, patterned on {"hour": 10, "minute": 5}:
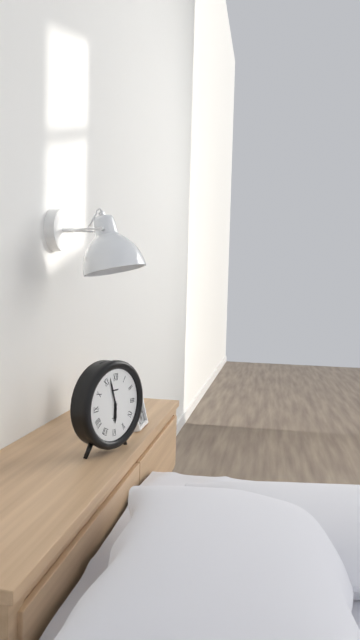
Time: {"hour": 5, "minute": 57}
